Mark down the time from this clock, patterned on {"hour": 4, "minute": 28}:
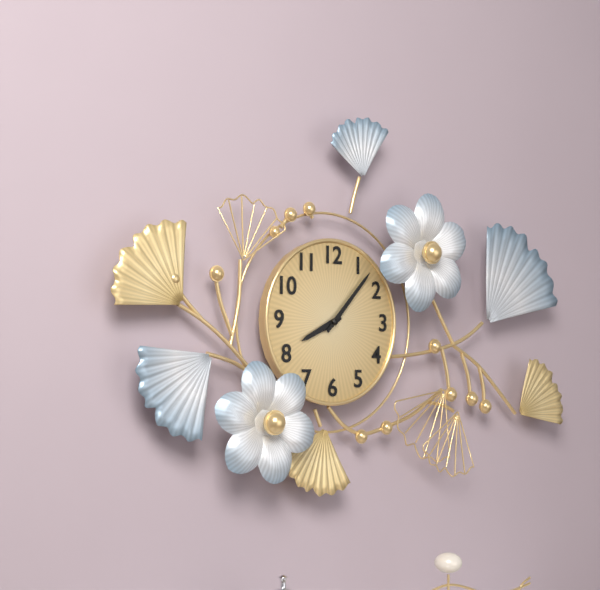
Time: {"hour": 8, "minute": 7}
